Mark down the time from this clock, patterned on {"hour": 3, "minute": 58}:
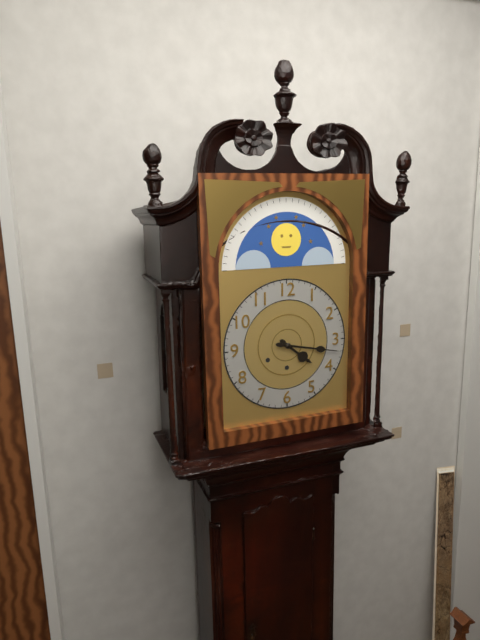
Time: {"hour": 4, "minute": 17}
